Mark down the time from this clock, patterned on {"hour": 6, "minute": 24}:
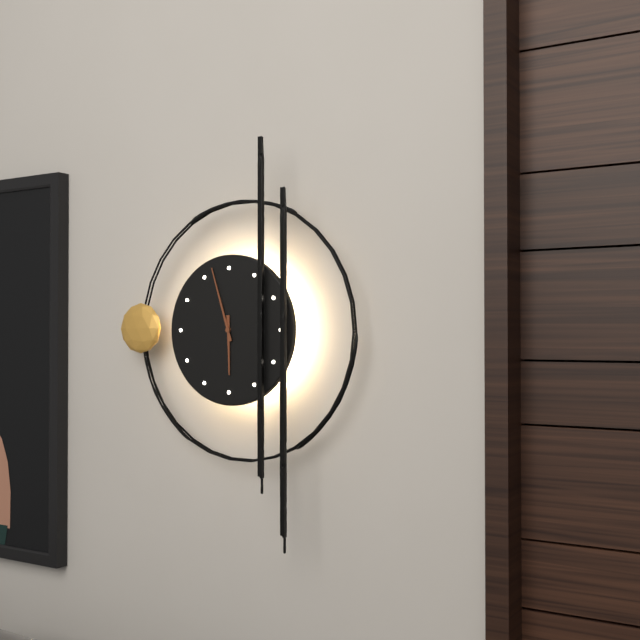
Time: {"hour": 5, "minute": 57}
